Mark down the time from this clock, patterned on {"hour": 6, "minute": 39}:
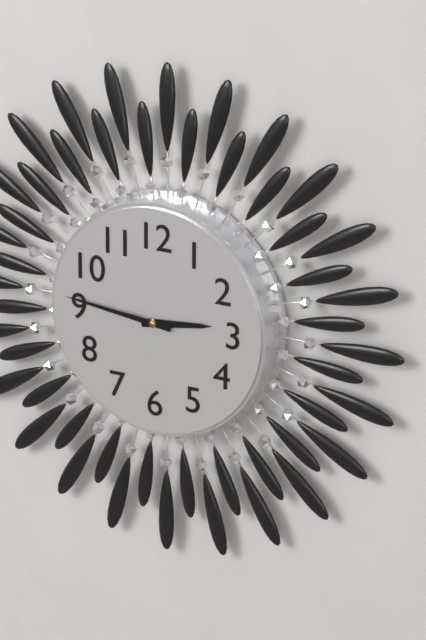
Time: {"hour": 2, "minute": 46}
